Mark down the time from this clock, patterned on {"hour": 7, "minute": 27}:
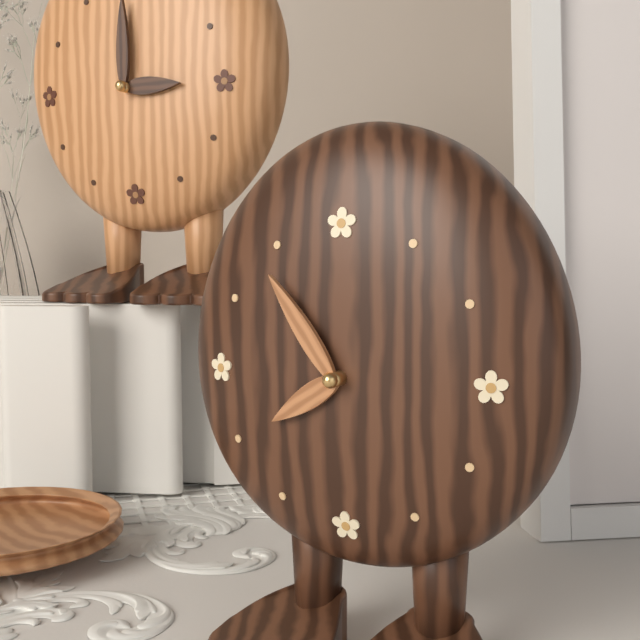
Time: {"hour": 7, "minute": 54}
